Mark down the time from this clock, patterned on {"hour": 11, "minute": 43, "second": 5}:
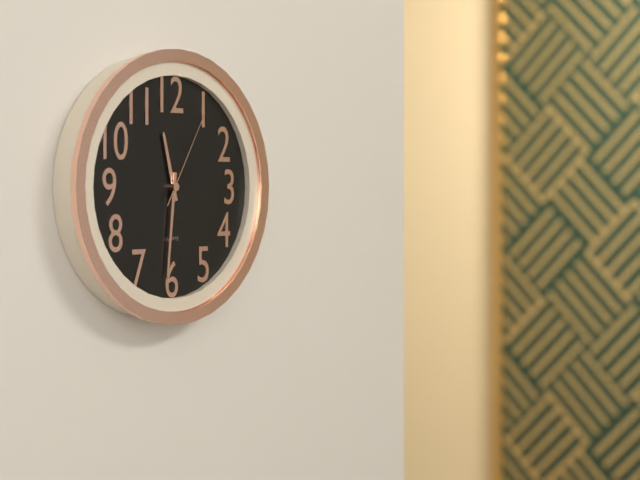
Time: {"hour": 11, "minute": 31, "second": 5}
